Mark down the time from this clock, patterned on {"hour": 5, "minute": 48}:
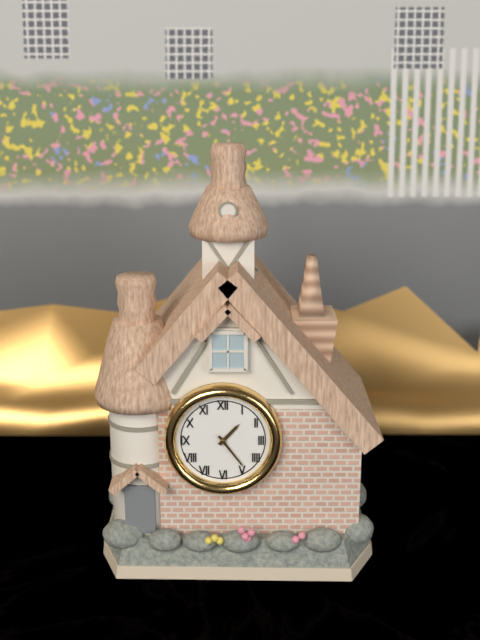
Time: {"hour": 1, "minute": 24}
